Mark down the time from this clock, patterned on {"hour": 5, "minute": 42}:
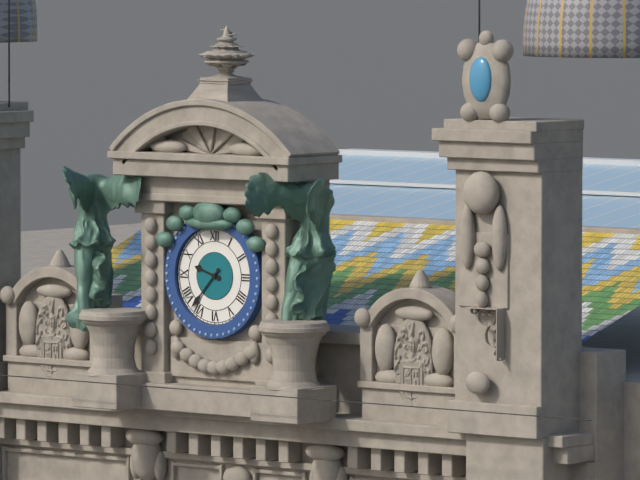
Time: {"hour": 9, "minute": 37}
